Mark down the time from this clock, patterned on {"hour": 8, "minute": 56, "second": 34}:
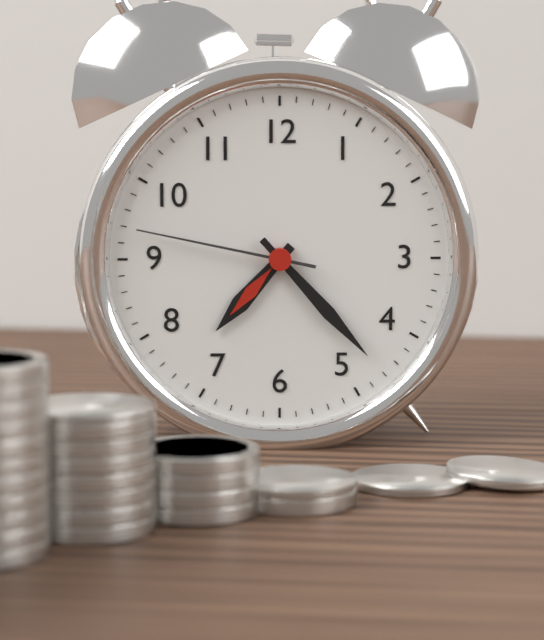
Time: {"hour": 7, "minute": 23, "second": 47}
